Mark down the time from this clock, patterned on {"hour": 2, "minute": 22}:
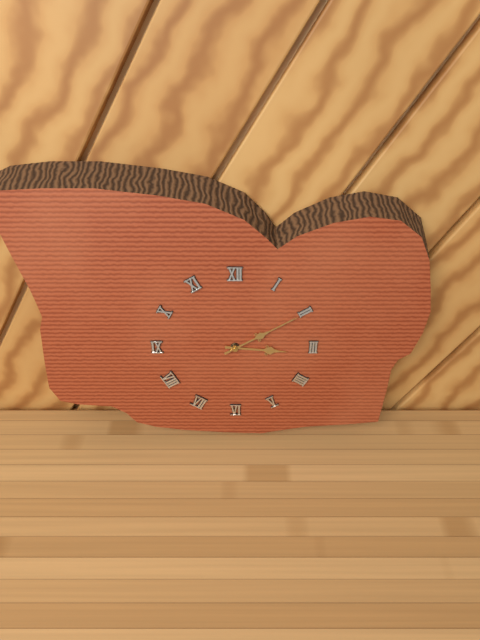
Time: {"hour": 3, "minute": 10}
